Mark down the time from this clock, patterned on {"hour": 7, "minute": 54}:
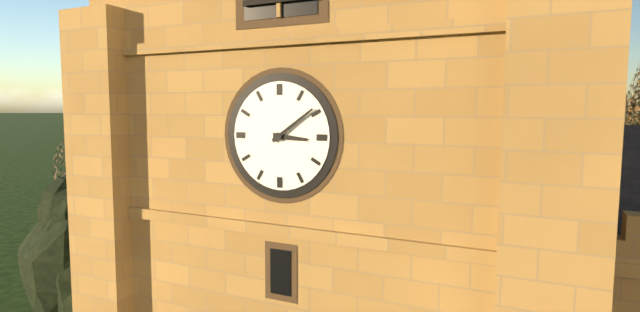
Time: {"hour": 3, "minute": 9}
